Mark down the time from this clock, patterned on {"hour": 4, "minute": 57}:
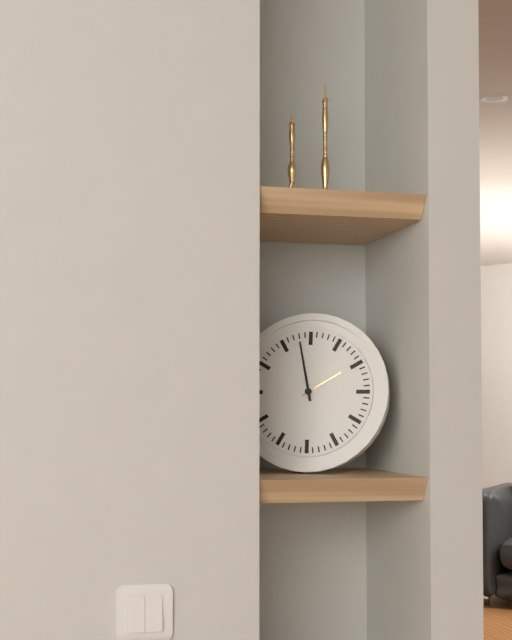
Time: {"hour": 1, "minute": 58}
